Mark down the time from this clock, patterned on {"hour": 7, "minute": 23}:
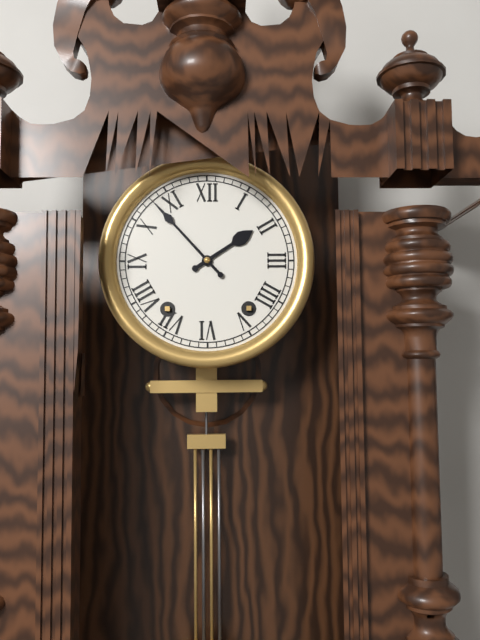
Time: {"hour": 1, "minute": 53}
